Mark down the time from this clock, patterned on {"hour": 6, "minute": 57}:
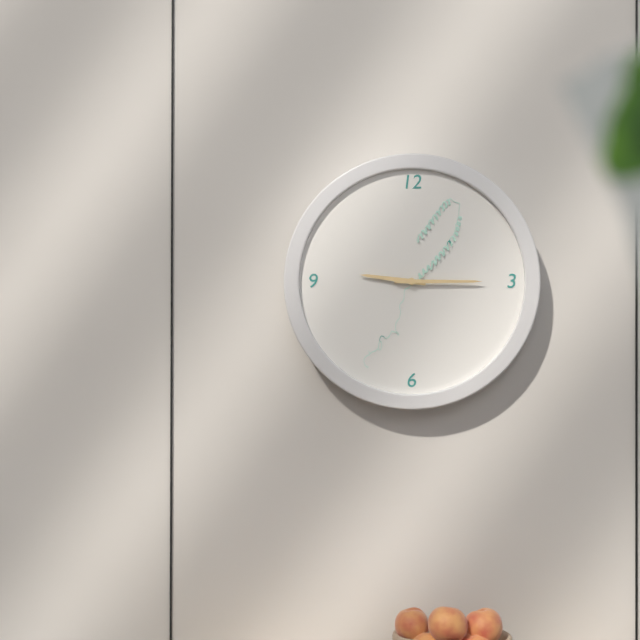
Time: {"hour": 9, "minute": 15}
